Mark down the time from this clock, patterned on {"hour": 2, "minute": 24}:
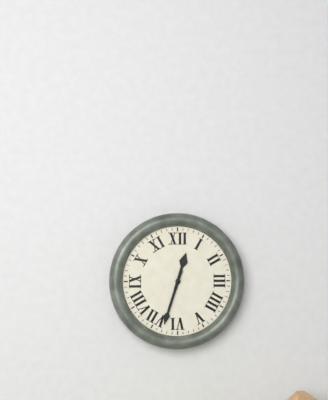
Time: {"hour": 12, "minute": 33}
